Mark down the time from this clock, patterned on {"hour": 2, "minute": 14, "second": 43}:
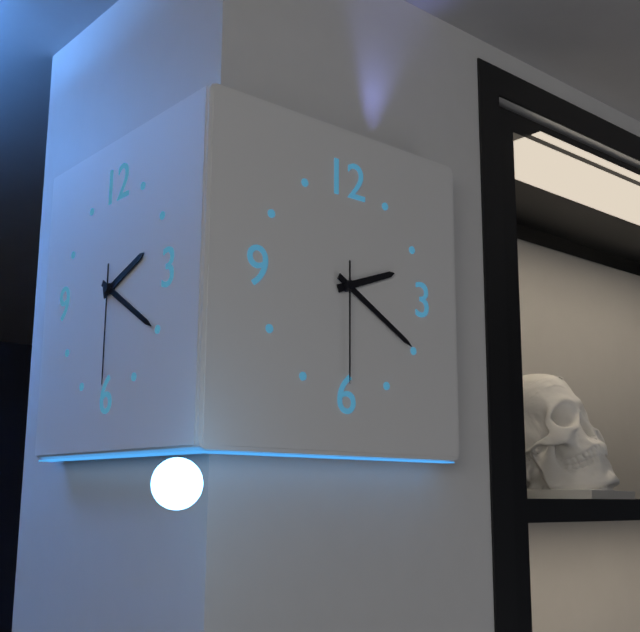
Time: {"hour": 2, "minute": 20, "second": 30}
